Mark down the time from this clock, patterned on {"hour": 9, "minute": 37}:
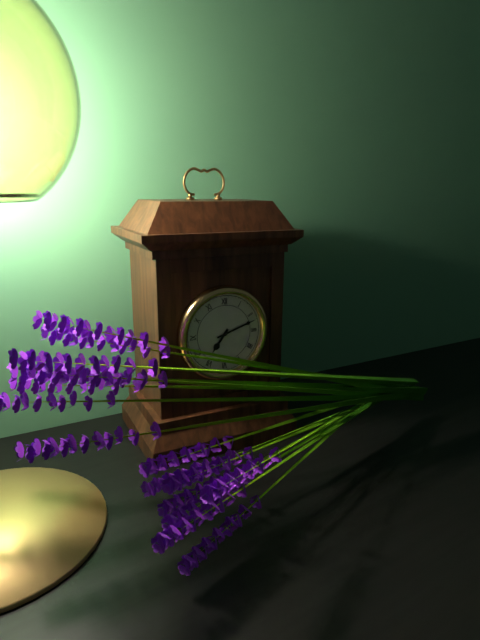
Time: {"hour": 7, "minute": 12}
